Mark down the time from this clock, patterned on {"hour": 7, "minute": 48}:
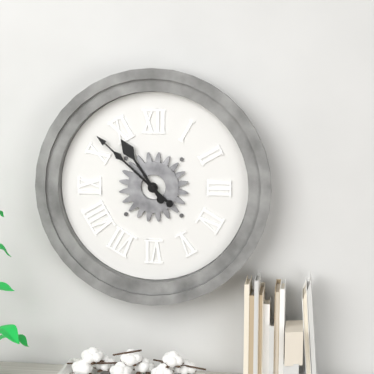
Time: {"hour": 10, "minute": 52}
